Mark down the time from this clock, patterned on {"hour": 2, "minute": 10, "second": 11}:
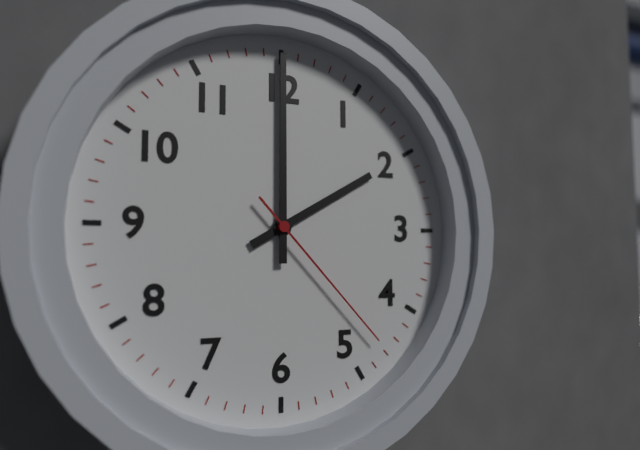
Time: {"hour": 2, "minute": 0, "second": 23}
